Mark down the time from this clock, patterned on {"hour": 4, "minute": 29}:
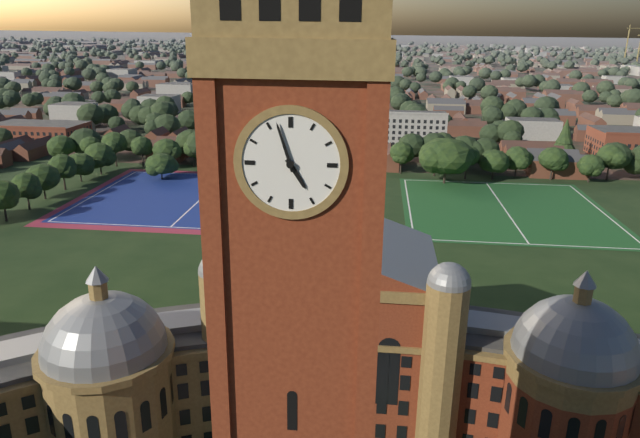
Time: {"hour": 4, "minute": 57}
